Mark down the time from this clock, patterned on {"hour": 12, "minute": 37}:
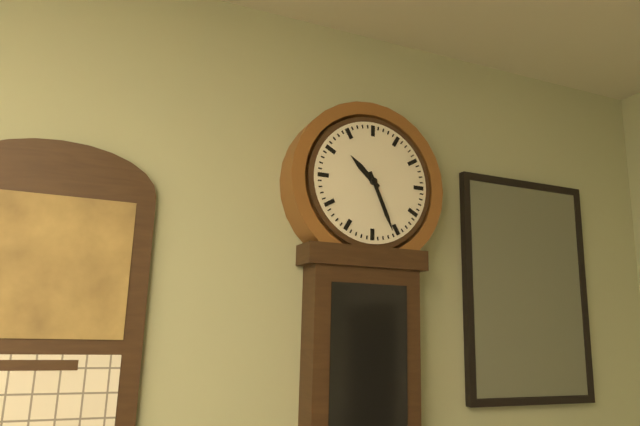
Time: {"hour": 10, "minute": 26}
